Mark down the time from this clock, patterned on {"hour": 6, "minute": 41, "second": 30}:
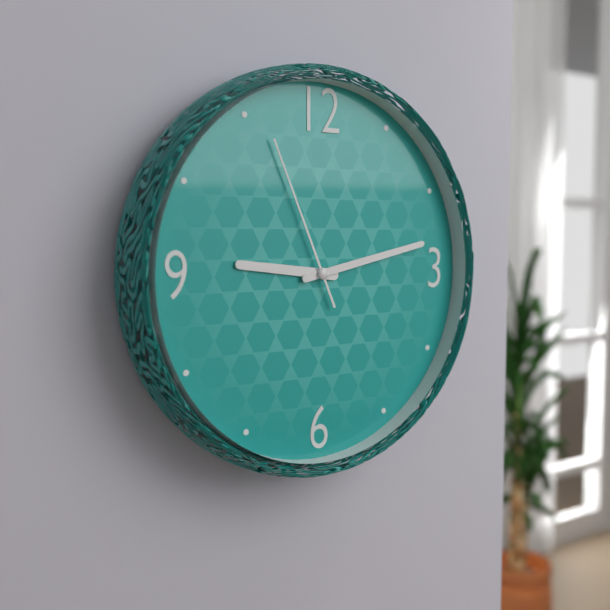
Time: {"hour": 9, "minute": 13, "second": 56}
